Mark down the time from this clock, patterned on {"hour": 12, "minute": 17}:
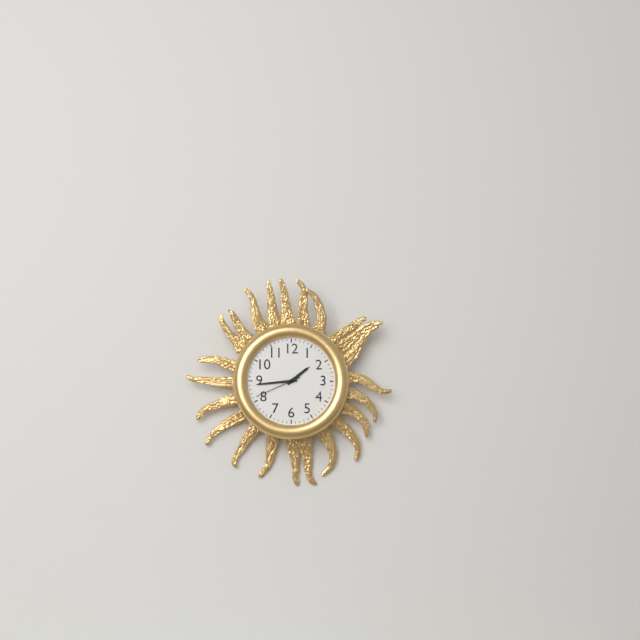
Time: {"hour": 1, "minute": 44}
